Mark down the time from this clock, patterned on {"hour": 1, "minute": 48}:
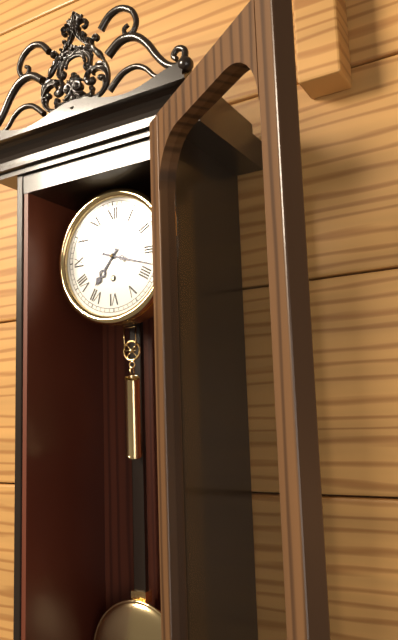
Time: {"hour": 7, "minute": 18}
